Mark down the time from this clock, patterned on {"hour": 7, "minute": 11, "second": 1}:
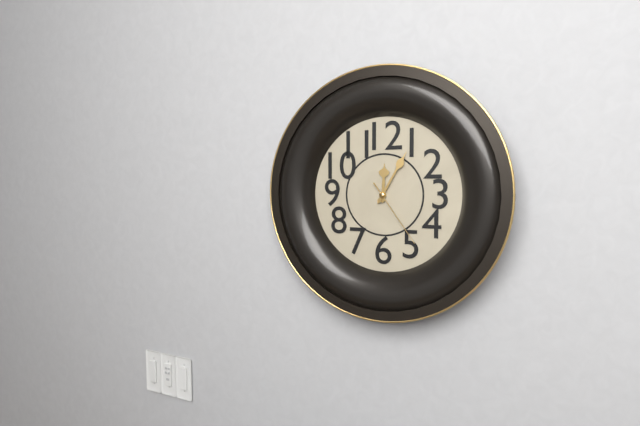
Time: {"hour": 12, "minute": 5, "second": 24}
